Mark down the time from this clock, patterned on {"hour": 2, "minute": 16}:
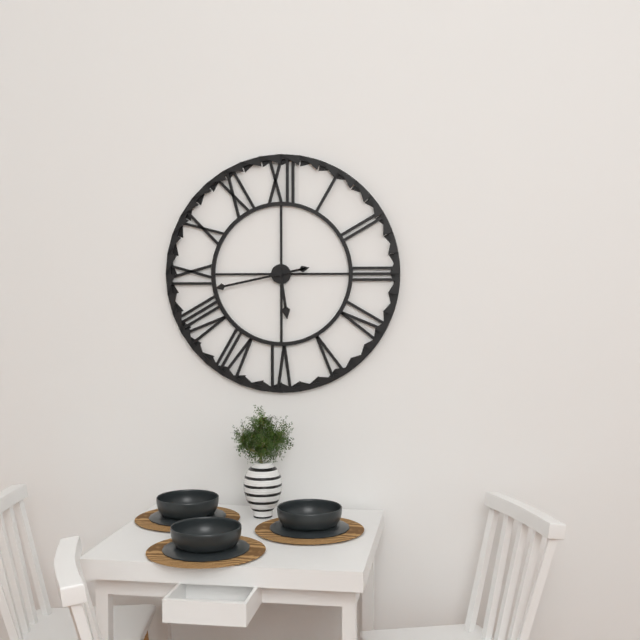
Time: {"hour": 5, "minute": 43}
